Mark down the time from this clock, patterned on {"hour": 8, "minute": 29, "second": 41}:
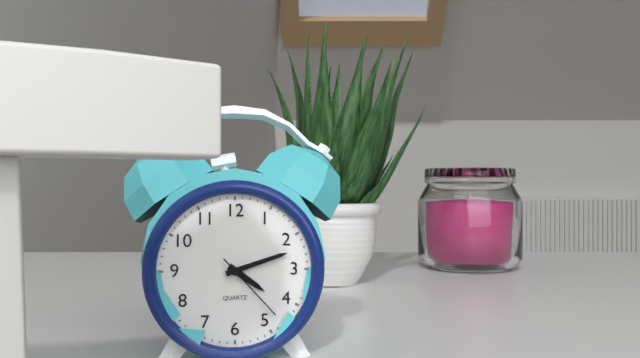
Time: {"hour": 4, "minute": 12, "second": 23}
